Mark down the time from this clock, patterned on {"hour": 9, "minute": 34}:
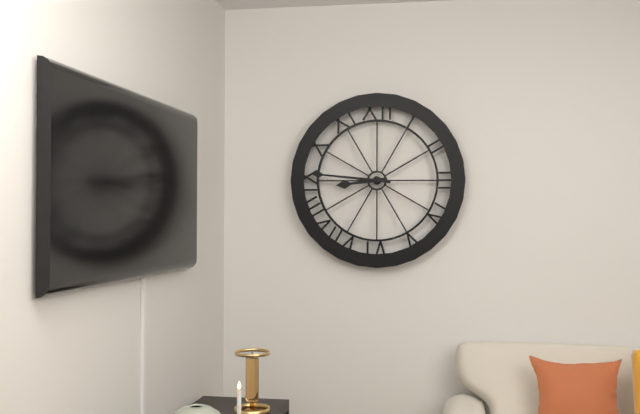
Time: {"hour": 8, "minute": 46}
